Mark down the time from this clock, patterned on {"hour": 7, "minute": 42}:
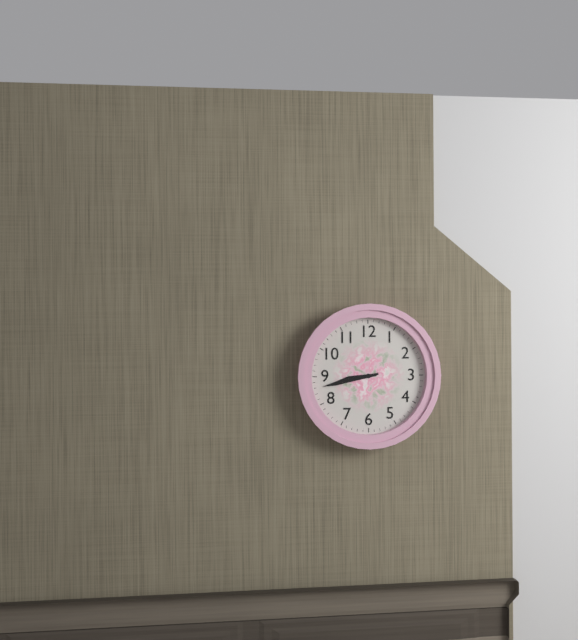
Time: {"hour": 8, "minute": 43}
